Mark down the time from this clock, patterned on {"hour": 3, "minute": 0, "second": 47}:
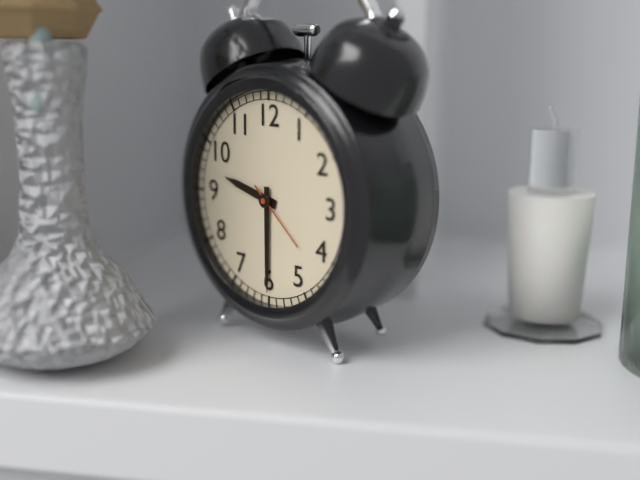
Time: {"hour": 9, "minute": 30, "second": 22}
